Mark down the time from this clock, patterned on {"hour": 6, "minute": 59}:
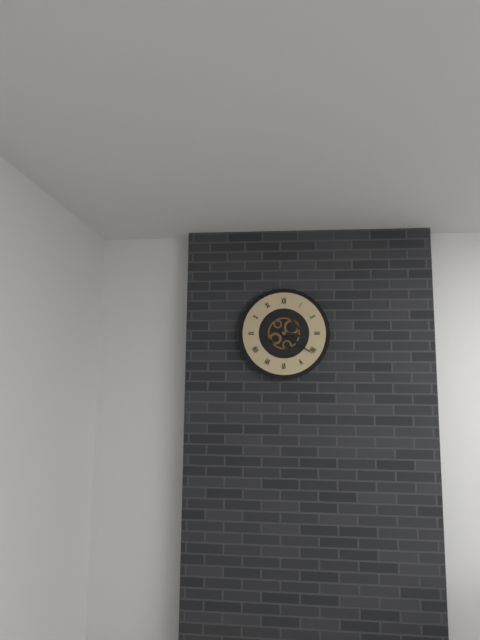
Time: {"hour": 3, "minute": 21}
